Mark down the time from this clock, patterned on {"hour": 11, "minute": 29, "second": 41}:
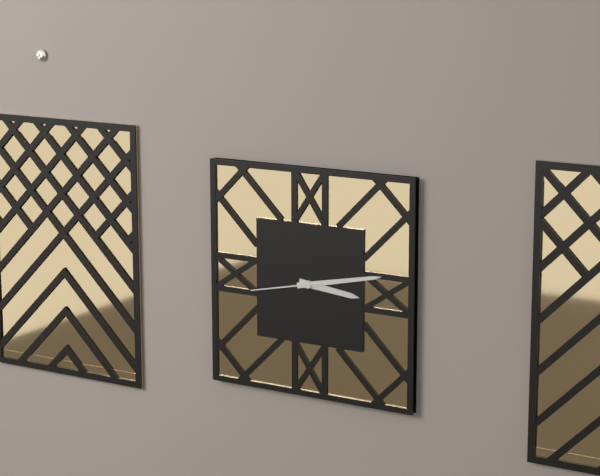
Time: {"hour": 3, "minute": 13, "second": 43}
